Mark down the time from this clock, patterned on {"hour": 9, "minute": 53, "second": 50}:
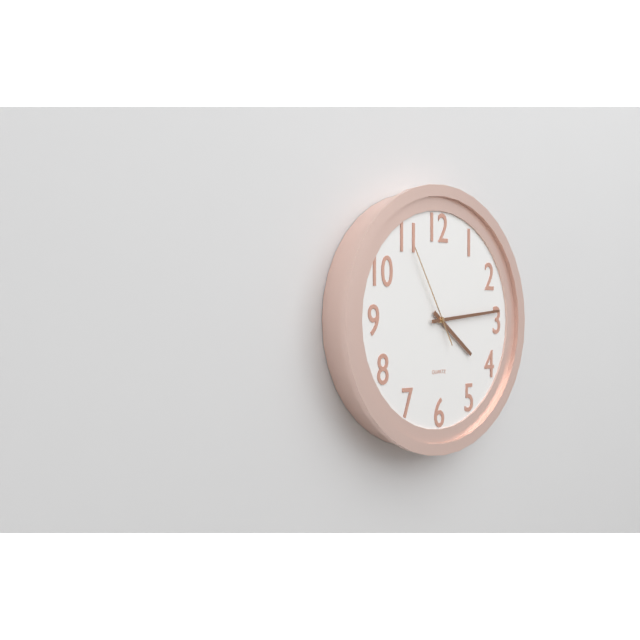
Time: {"hour": 4, "minute": 14, "second": 55}
